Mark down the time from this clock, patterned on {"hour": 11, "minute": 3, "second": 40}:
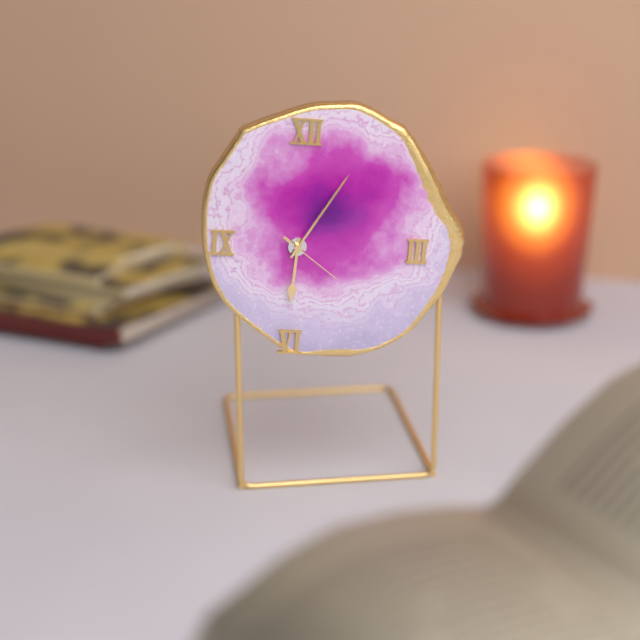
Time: {"hour": 6, "minute": 5, "second": 21}
